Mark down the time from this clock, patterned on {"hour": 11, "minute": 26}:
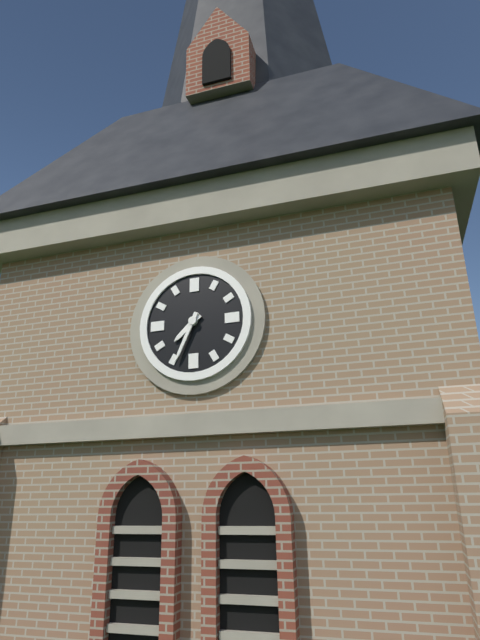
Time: {"hour": 7, "minute": 34}
